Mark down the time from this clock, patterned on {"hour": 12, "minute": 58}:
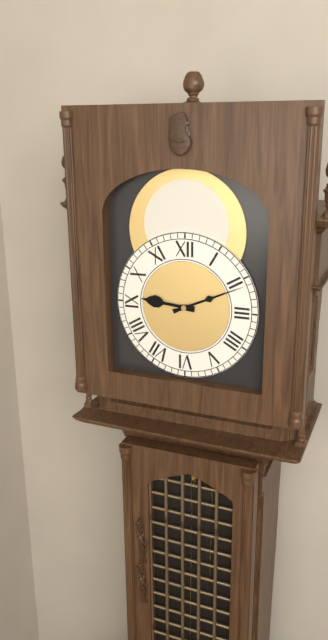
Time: {"hour": 9, "minute": 11}
